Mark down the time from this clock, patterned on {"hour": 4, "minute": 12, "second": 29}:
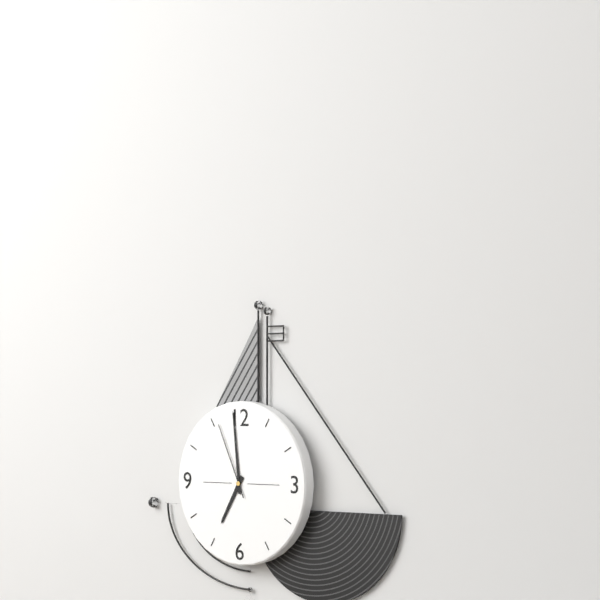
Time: {"hour": 6, "minute": 59, "second": 56}
